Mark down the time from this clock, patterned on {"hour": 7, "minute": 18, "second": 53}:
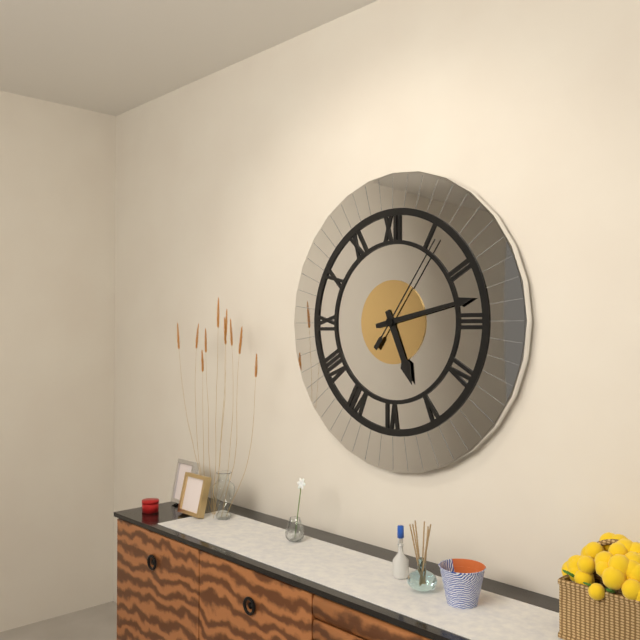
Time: {"hour": 5, "minute": 13, "second": 6}
